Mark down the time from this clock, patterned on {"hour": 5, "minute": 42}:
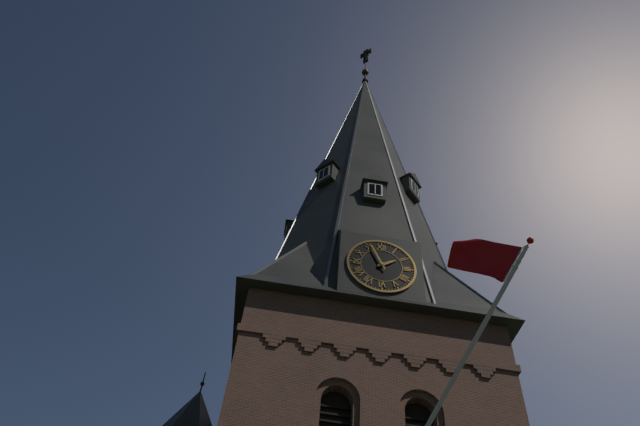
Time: {"hour": 1, "minute": 56}
